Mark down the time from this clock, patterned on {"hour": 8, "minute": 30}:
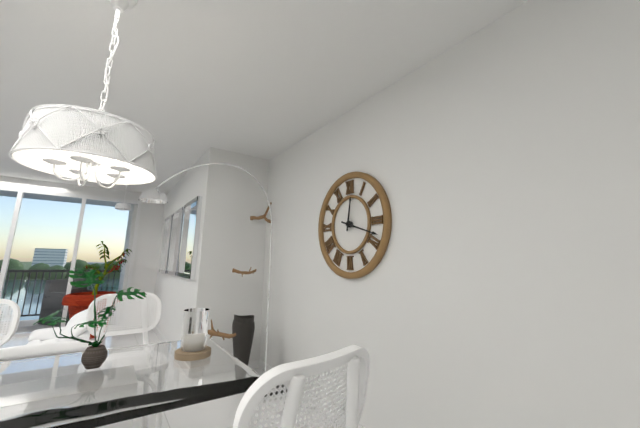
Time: {"hour": 12, "minute": 18}
